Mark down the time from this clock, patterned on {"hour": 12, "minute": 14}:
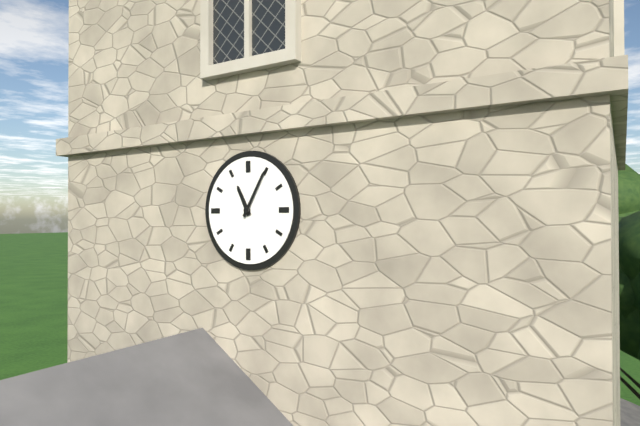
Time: {"hour": 11, "minute": 5}
